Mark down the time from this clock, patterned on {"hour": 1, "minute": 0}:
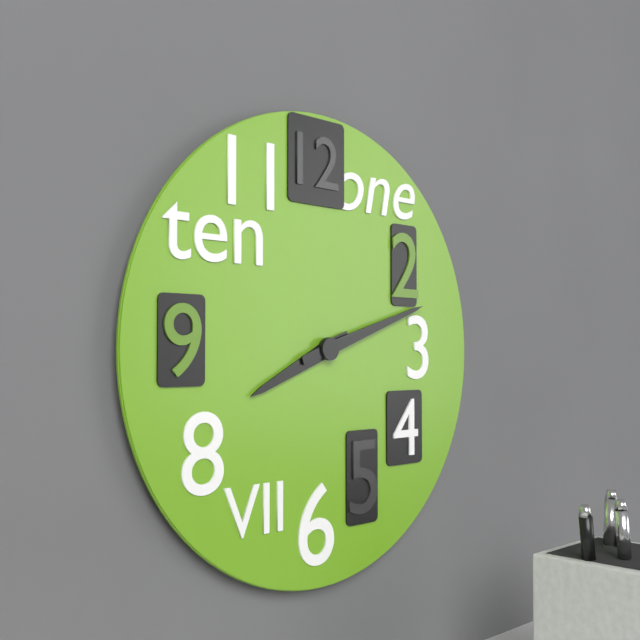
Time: {"hour": 8, "minute": 12}
